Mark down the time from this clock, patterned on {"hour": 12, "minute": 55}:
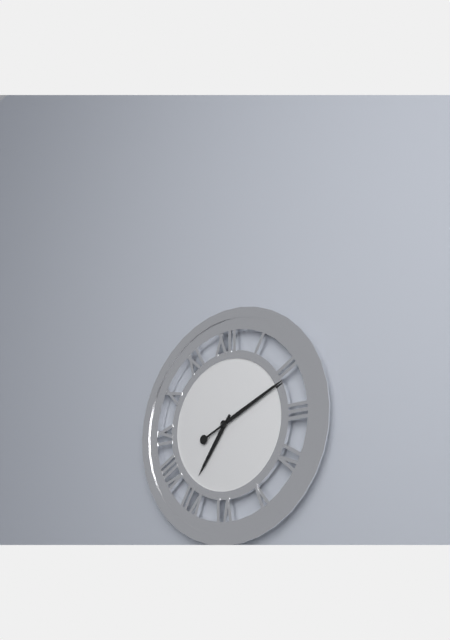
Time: {"hour": 7, "minute": 11}
